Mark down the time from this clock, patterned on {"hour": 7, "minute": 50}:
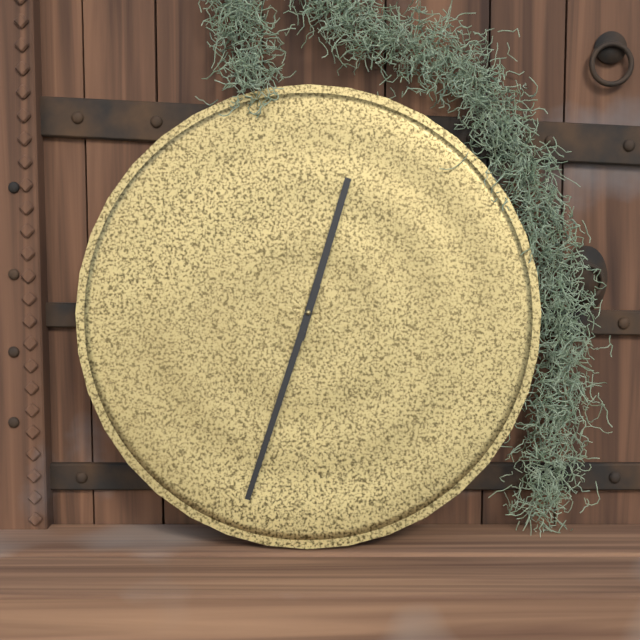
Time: {"hour": 12, "minute": 33}
